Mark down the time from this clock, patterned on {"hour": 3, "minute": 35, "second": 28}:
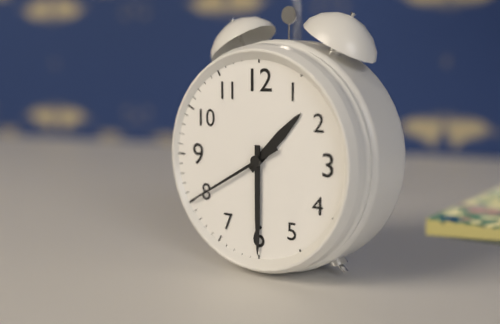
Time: {"hour": 1, "minute": 30, "second": 40}
